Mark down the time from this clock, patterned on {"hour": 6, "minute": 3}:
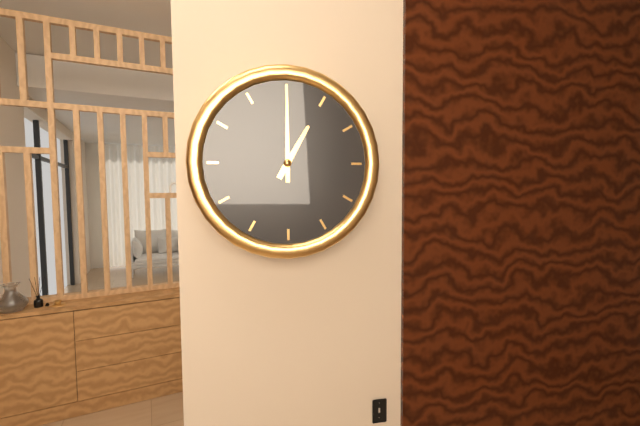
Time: {"hour": 1, "minute": 0}
